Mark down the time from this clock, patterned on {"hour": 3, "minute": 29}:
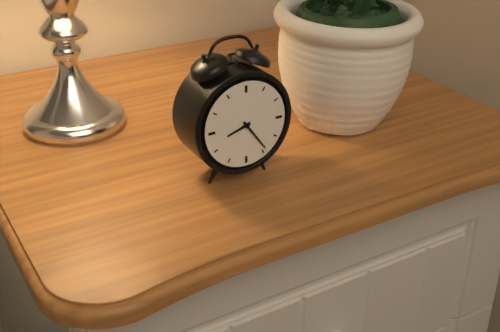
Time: {"hour": 8, "minute": 24}
